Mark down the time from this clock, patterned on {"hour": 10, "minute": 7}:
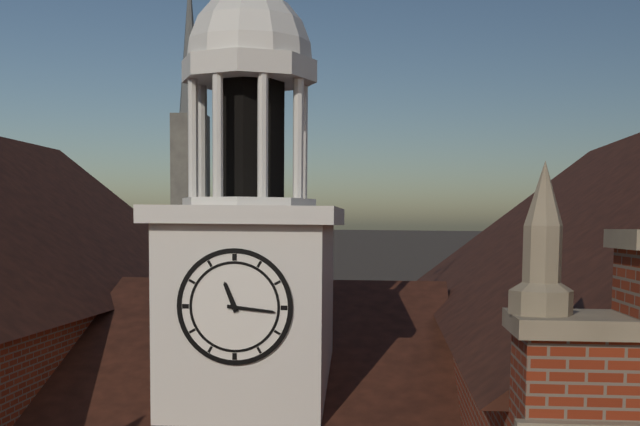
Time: {"hour": 11, "minute": 16}
